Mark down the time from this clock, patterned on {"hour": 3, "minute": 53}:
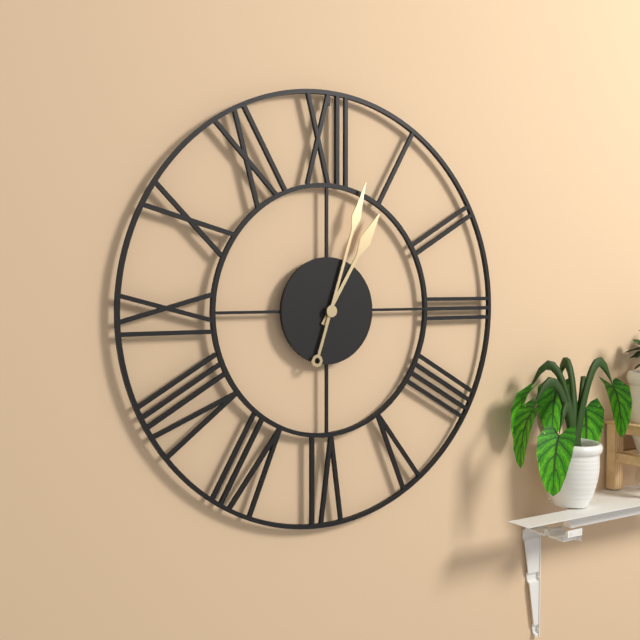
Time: {"hour": 1, "minute": 3}
